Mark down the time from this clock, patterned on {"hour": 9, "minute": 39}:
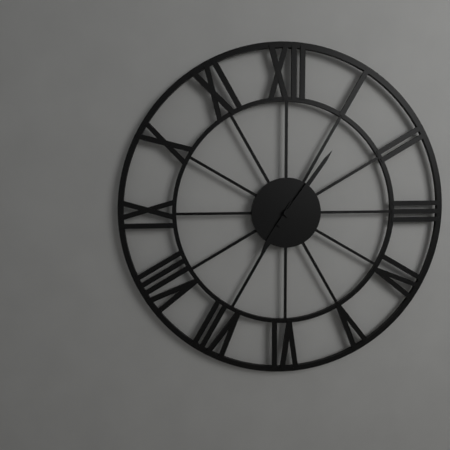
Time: {"hour": 7, "minute": 6}
